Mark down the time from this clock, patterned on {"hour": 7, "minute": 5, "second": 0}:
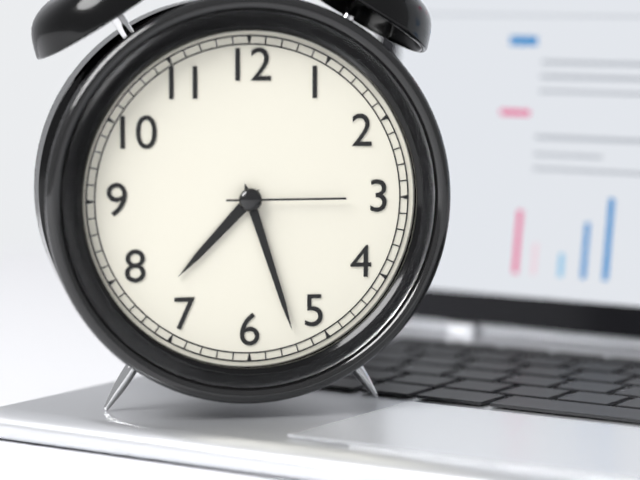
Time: {"hour": 7, "minute": 27, "second": 15}
